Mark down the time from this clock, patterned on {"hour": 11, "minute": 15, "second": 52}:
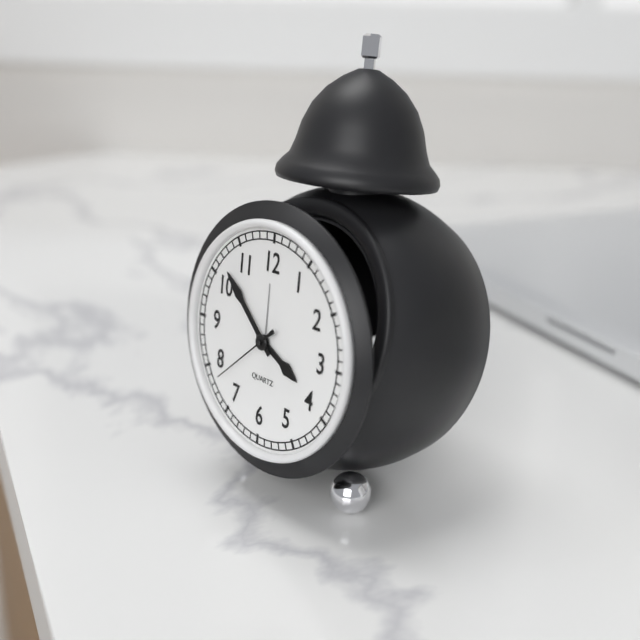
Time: {"hour": 3, "minute": 52, "second": 38}
